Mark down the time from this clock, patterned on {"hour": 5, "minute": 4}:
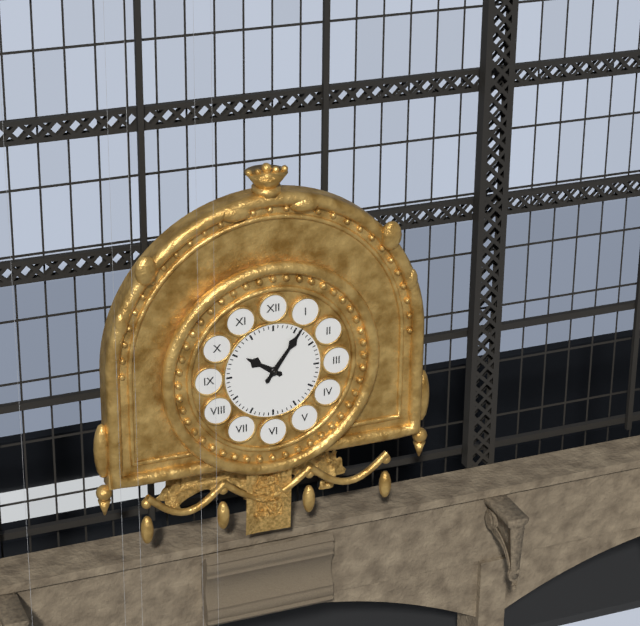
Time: {"hour": 10, "minute": 6}
